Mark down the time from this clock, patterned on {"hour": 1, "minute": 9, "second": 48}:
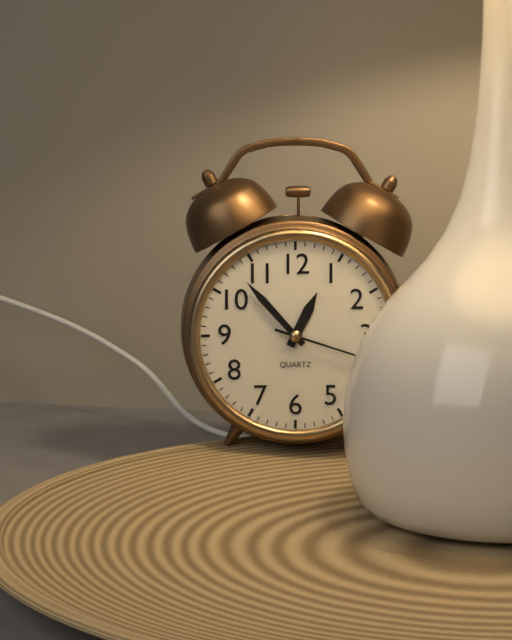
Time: {"hour": 12, "minute": 53, "second": 18}
